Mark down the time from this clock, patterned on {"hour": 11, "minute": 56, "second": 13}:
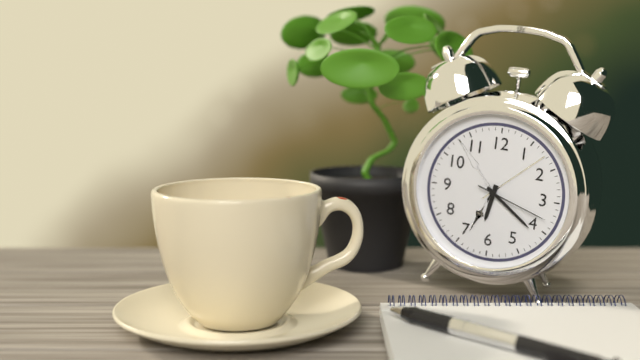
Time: {"hour": 6, "minute": 21, "second": 18}
